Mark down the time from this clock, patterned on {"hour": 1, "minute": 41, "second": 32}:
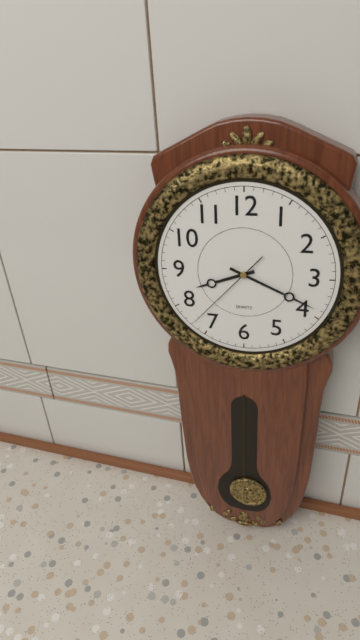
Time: {"hour": 8, "minute": 19, "second": 37}
